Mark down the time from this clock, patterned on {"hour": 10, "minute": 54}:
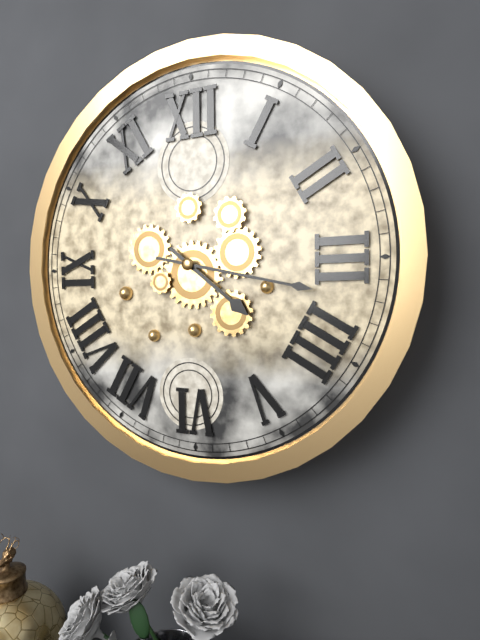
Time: {"hour": 4, "minute": 17}
